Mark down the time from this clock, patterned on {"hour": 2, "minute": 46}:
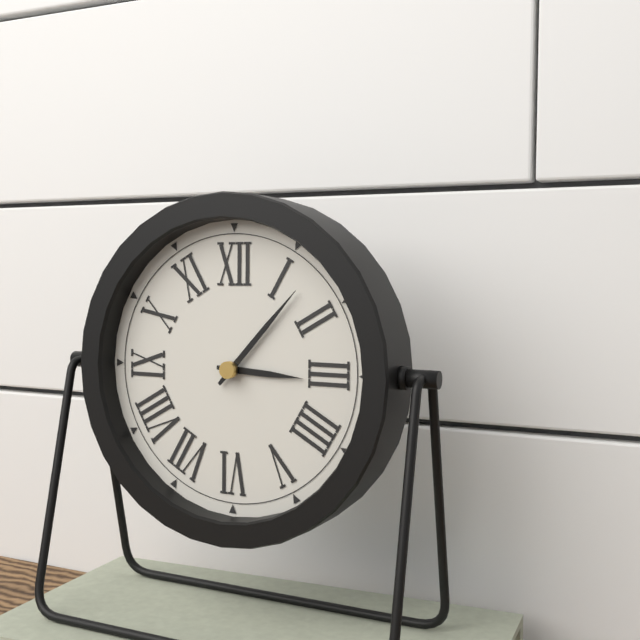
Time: {"hour": 3, "minute": 7}
